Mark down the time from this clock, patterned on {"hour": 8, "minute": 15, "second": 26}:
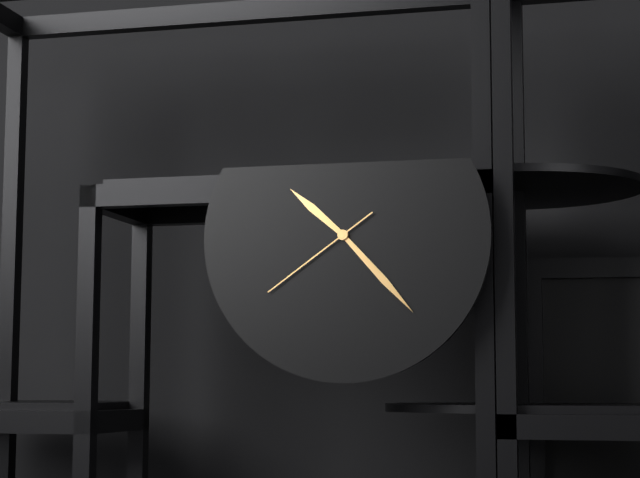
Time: {"hour": 10, "minute": 23, "second": 39}
